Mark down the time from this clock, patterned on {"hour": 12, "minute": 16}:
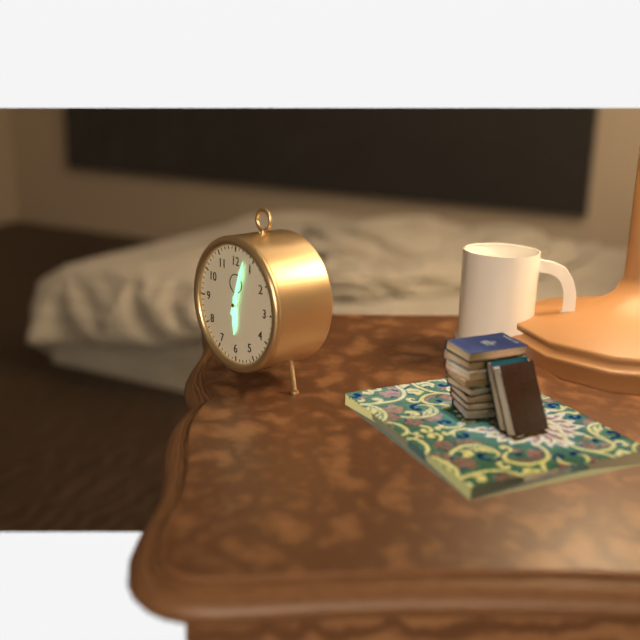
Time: {"hour": 6, "minute": 3}
